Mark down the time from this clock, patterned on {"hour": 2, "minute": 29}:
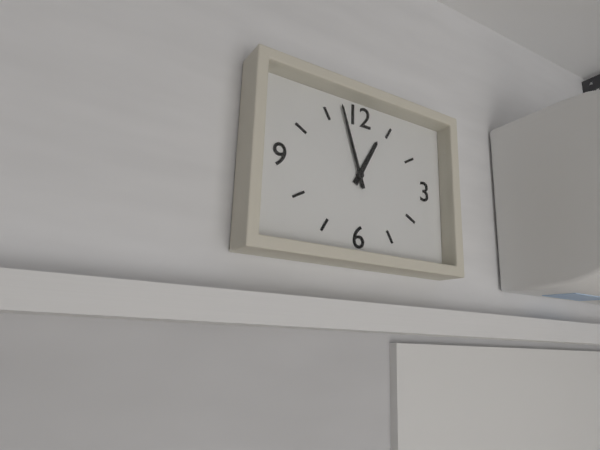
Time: {"hour": 12, "minute": 57}
